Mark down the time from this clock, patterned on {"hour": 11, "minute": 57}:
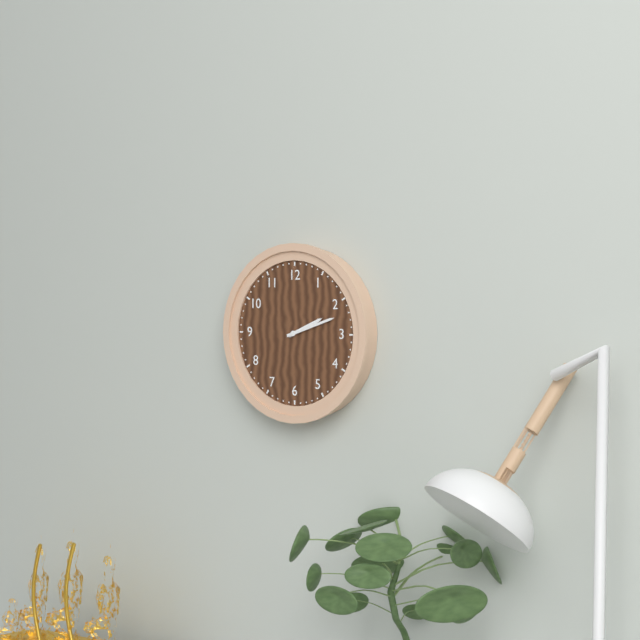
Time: {"hour": 2, "minute": 12}
